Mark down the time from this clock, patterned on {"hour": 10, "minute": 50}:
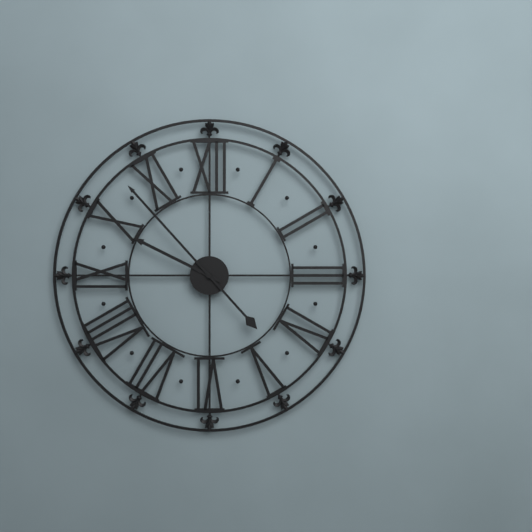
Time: {"hour": 9, "minute": 53}
